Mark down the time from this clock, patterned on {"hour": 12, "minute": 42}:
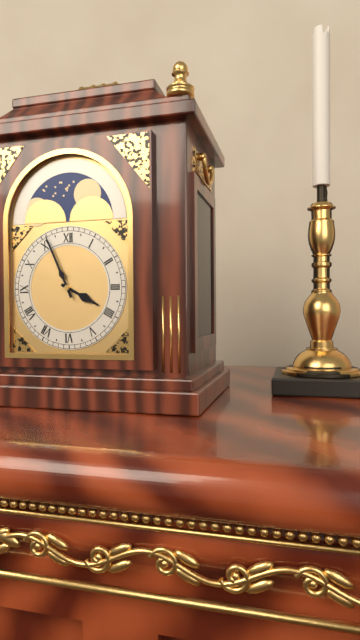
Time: {"hour": 3, "minute": 56}
